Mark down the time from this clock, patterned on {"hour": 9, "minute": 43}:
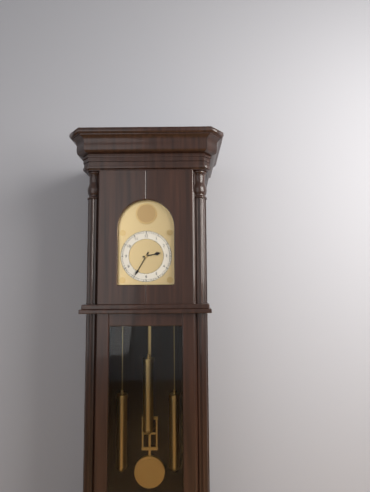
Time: {"hour": 2, "minute": 35}
